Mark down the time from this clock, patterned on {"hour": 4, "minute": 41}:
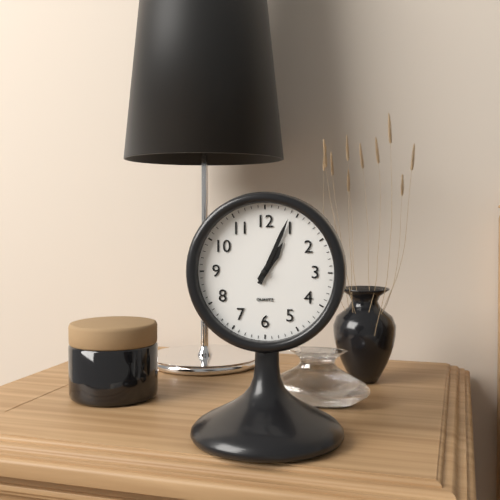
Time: {"hour": 1, "minute": 4}
